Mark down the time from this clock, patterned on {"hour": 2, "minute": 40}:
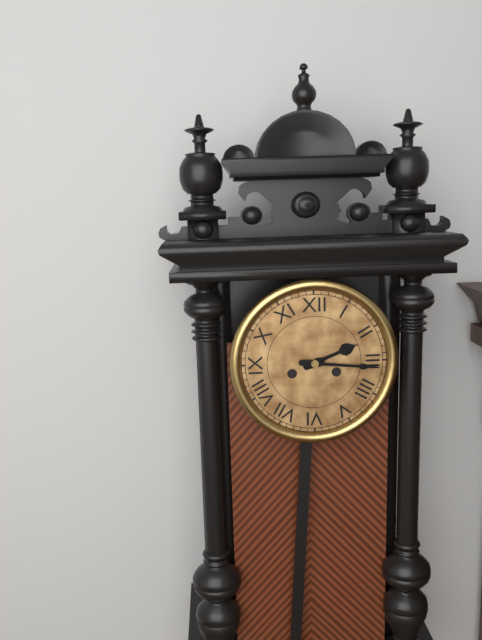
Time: {"hour": 2, "minute": 16}
